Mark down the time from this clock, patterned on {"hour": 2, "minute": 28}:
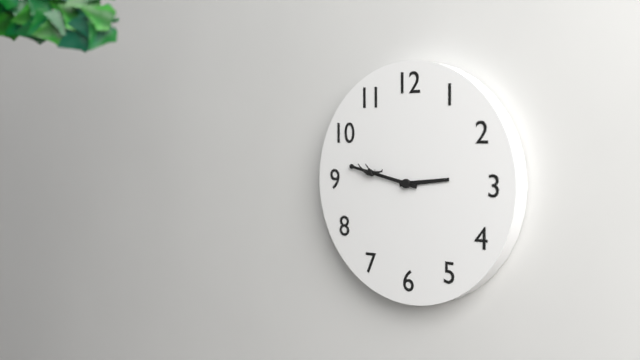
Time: {"hour": 2, "minute": 47}
